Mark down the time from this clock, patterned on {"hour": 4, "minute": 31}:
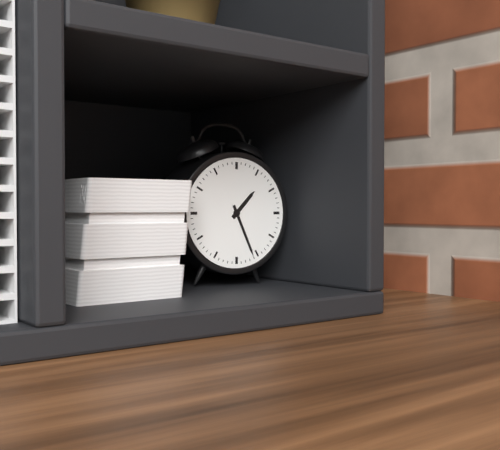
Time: {"hour": 1, "minute": 26}
